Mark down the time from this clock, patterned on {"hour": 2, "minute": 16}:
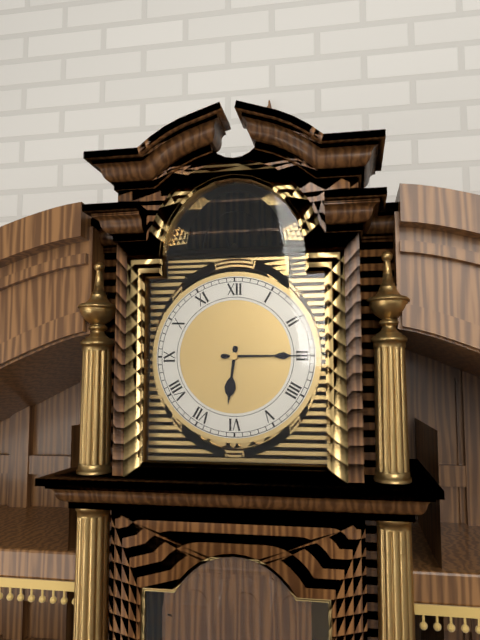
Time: {"hour": 6, "minute": 15}
